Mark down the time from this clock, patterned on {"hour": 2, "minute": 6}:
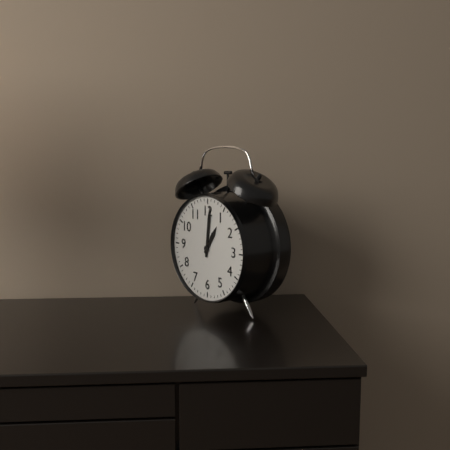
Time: {"hour": 1, "minute": 1}
